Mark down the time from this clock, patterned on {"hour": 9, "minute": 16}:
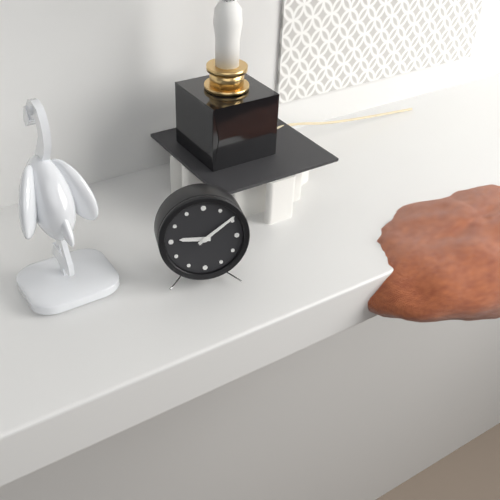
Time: {"hour": 9, "minute": 9}
